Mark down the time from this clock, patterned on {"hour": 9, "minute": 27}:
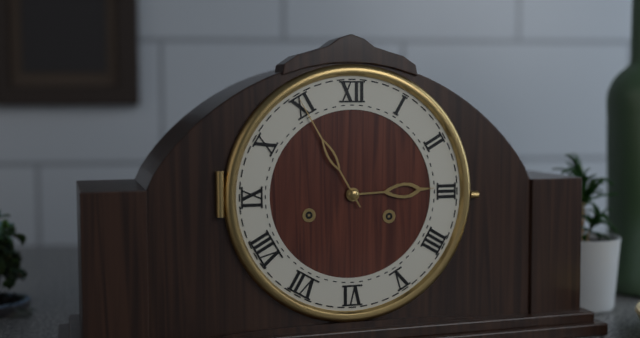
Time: {"hour": 2, "minute": 55}
